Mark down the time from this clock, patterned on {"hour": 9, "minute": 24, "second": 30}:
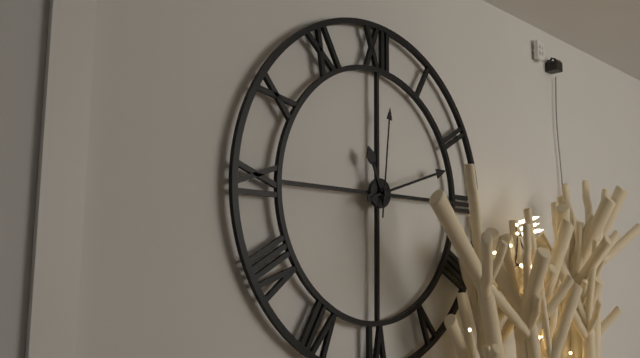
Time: {"hour": 11, "minute": 12, "second": 1}
